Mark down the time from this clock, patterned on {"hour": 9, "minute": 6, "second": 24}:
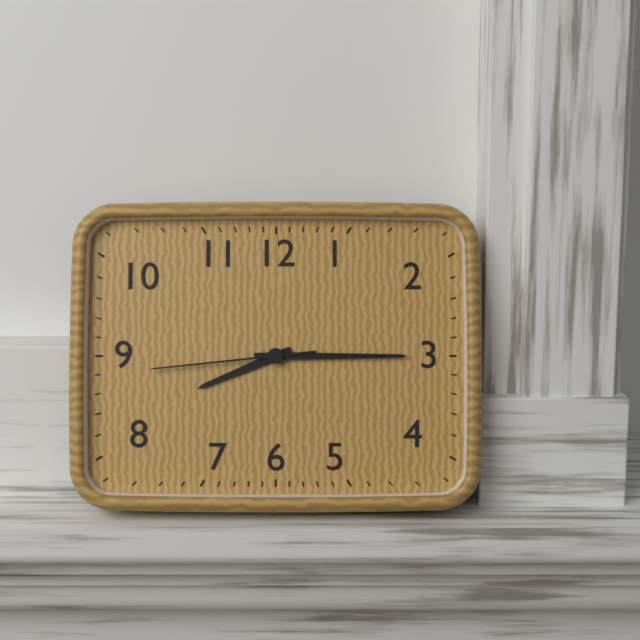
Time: {"hour": 8, "minute": 15, "second": 44}
